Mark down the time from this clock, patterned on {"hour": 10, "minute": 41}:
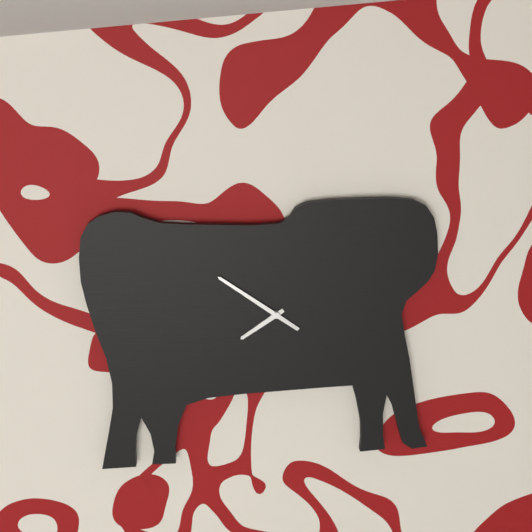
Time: {"hour": 7, "minute": 51}
